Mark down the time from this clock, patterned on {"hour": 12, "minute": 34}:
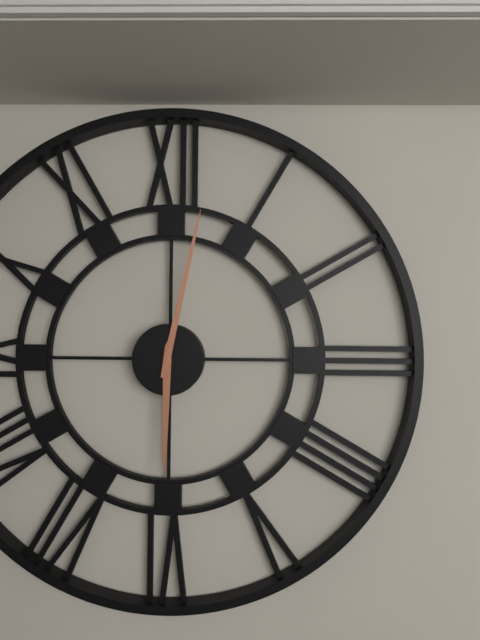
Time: {"hour": 6, "minute": 2}
